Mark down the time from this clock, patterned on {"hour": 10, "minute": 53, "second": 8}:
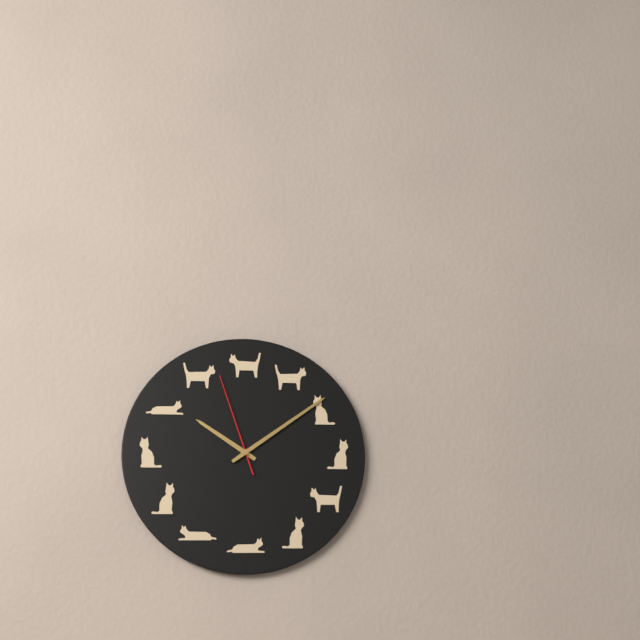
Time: {"hour": 10, "minute": 9, "second": 57}
